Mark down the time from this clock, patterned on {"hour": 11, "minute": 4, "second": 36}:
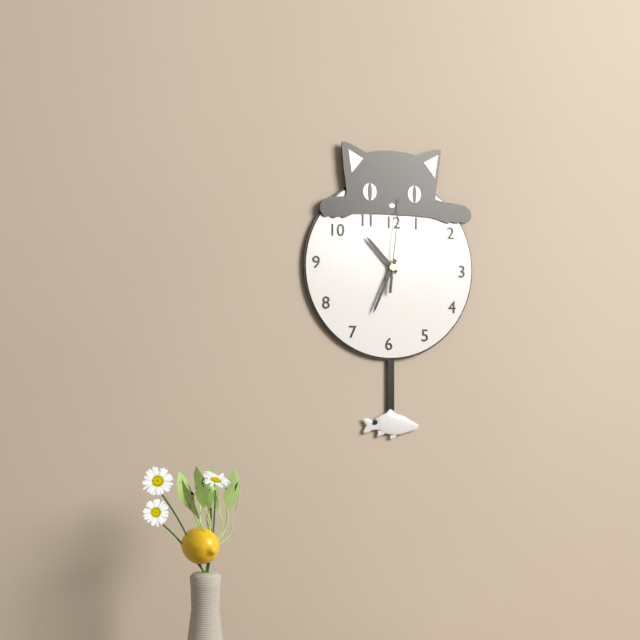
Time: {"hour": 10, "minute": 34, "second": 1}
